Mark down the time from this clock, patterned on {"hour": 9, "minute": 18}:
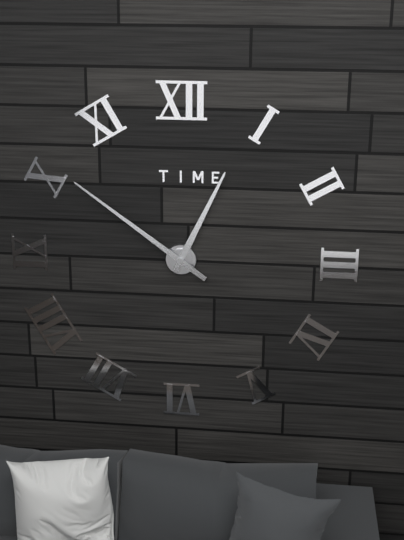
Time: {"hour": 12, "minute": 51}
